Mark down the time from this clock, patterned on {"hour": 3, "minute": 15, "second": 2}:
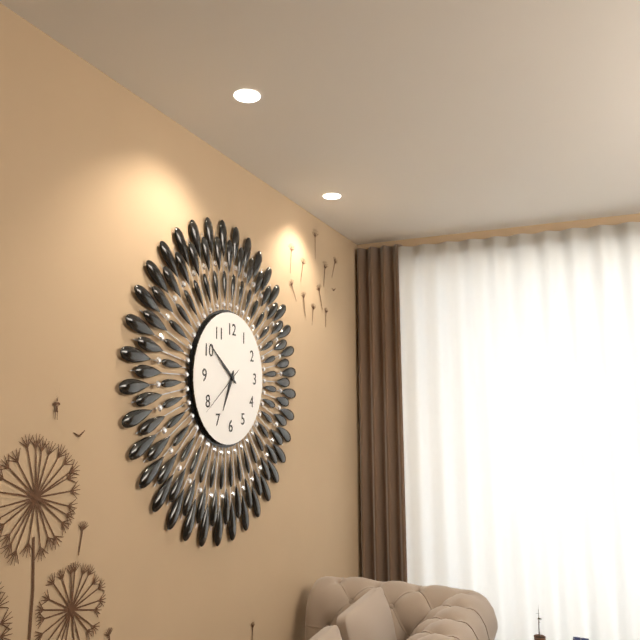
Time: {"hour": 6, "minute": 51, "second": 39}
